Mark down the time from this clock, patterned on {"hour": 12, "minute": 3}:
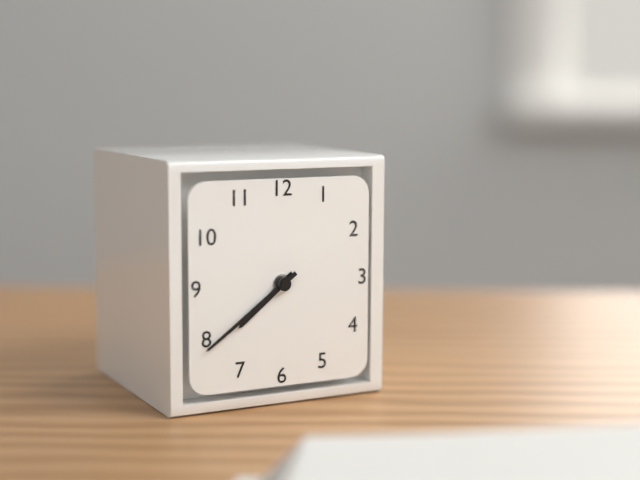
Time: {"hour": 7, "minute": 39}
